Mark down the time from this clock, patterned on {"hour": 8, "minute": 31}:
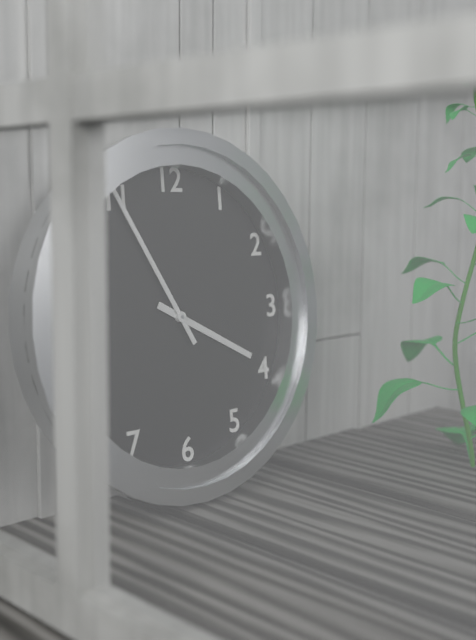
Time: {"hour": 3, "minute": 55}
